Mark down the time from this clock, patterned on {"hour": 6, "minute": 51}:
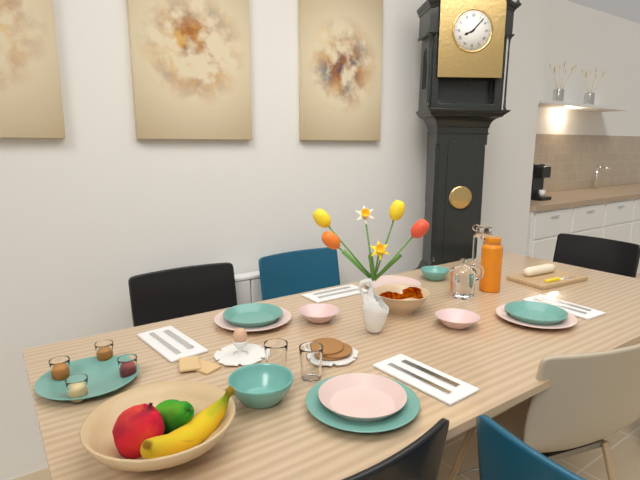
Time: {"hour": 8, "minute": 7}
